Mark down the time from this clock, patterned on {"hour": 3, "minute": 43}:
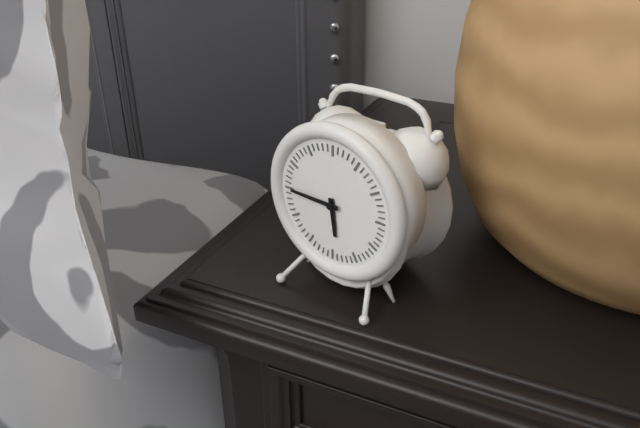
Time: {"hour": 5, "minute": 45}
